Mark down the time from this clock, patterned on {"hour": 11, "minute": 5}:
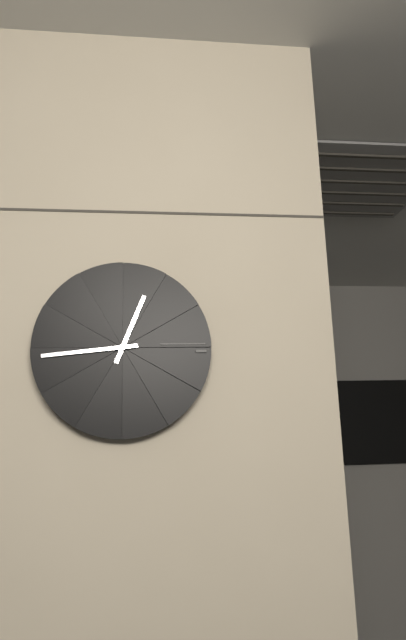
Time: {"hour": 12, "minute": 44}
